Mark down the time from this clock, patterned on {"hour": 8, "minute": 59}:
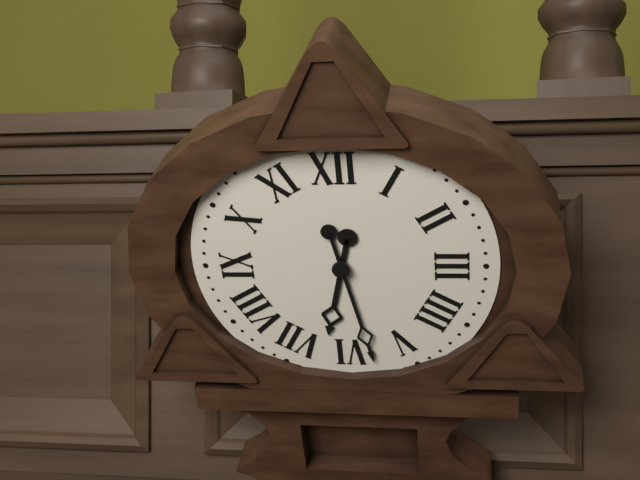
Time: {"hour": 6, "minute": 28}
